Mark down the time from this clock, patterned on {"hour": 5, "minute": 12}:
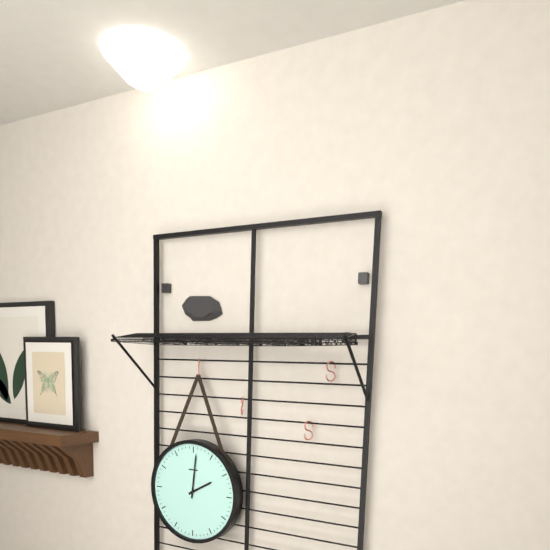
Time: {"hour": 2, "minute": 1}
